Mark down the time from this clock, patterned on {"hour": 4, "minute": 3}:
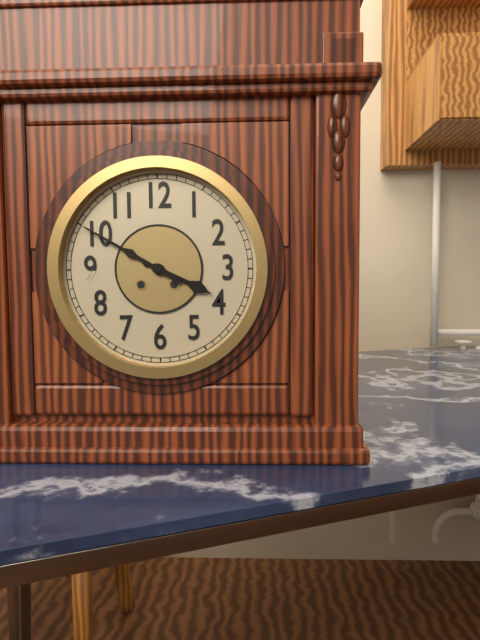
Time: {"hour": 3, "minute": 50}
